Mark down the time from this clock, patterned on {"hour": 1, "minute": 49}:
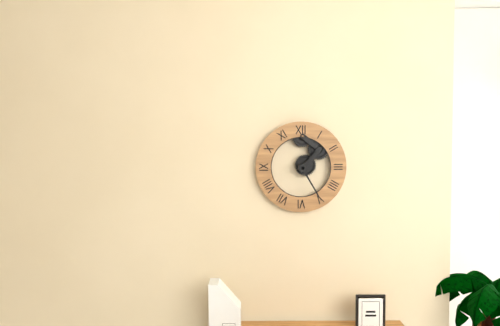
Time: {"hour": 1, "minute": 25}
